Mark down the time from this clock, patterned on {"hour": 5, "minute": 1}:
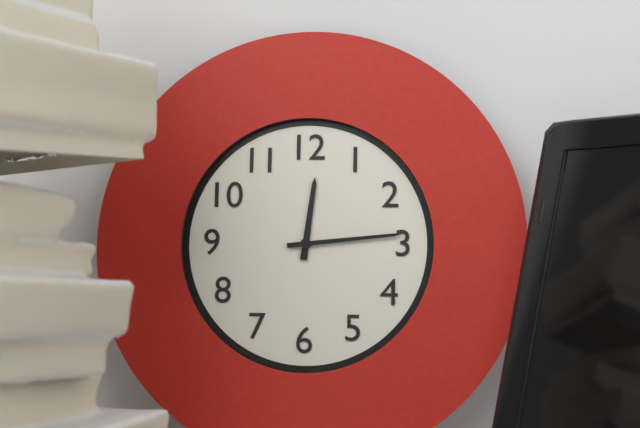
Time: {"hour": 12, "minute": 14}
